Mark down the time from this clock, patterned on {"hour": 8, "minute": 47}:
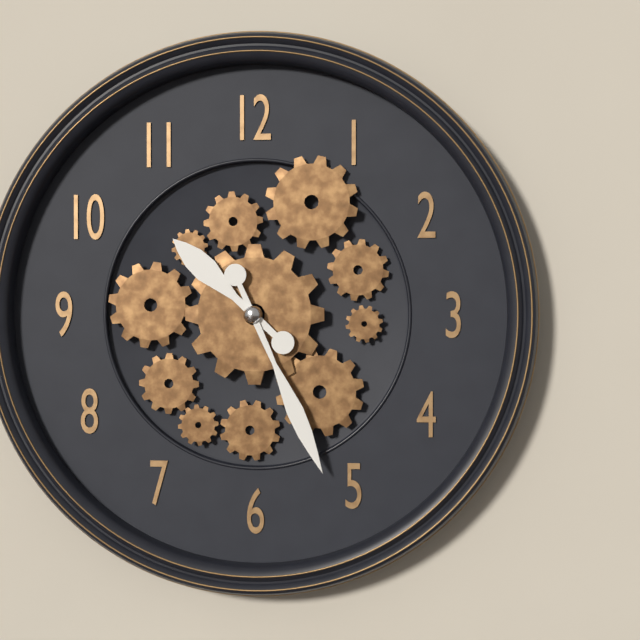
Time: {"hour": 10, "minute": 26}
